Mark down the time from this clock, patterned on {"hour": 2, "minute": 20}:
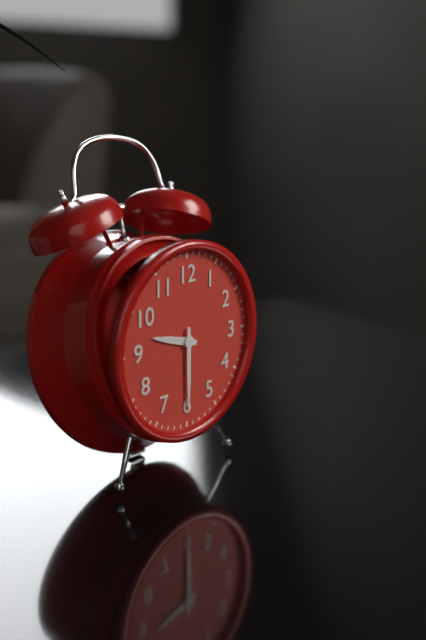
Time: {"hour": 9, "minute": 30}
